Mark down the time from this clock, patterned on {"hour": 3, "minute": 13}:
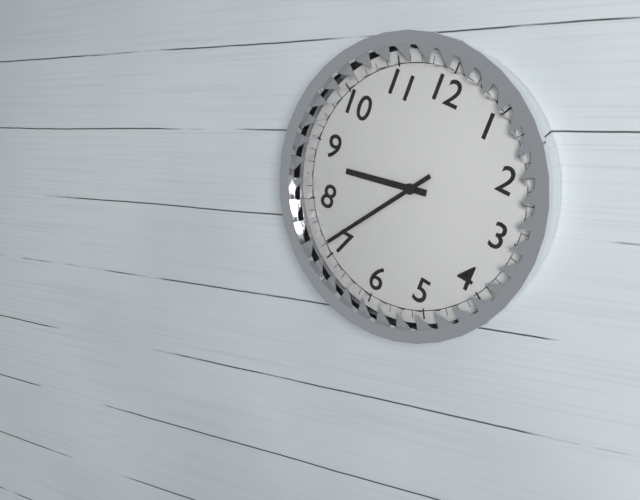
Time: {"hour": 8, "minute": 36}
